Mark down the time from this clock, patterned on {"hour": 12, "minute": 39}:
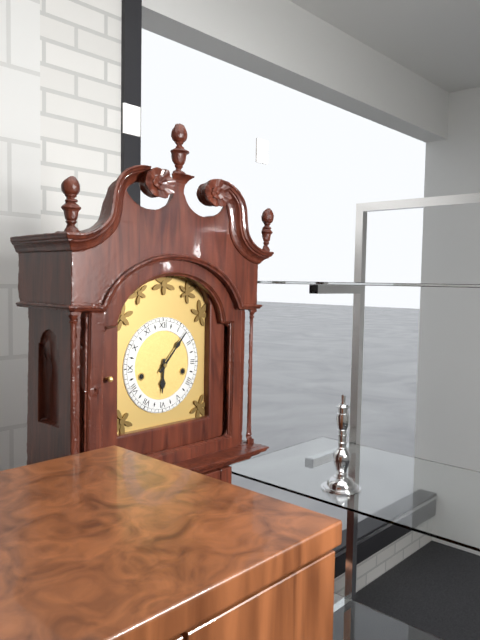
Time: {"hour": 6, "minute": 7}
